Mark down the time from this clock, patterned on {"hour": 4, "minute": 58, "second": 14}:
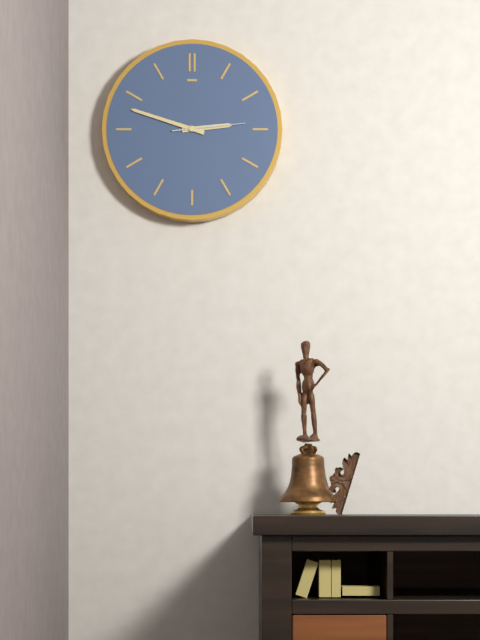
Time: {"hour": 2, "minute": 48, "second": 14}
